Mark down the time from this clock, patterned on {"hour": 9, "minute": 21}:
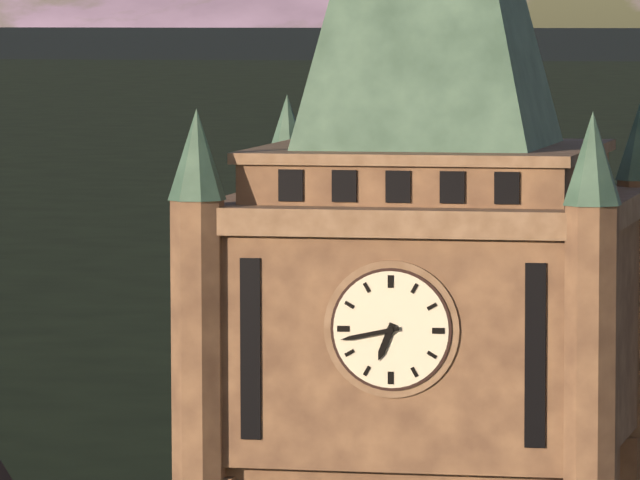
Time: {"hour": 6, "minute": 43}
